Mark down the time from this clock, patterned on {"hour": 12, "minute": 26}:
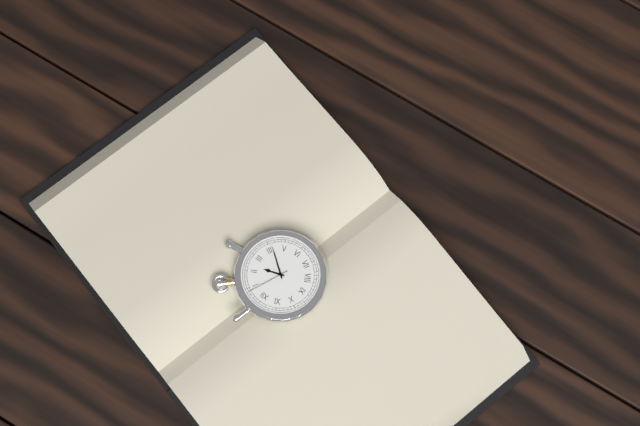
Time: {"hour": 2, "minute": 21}
